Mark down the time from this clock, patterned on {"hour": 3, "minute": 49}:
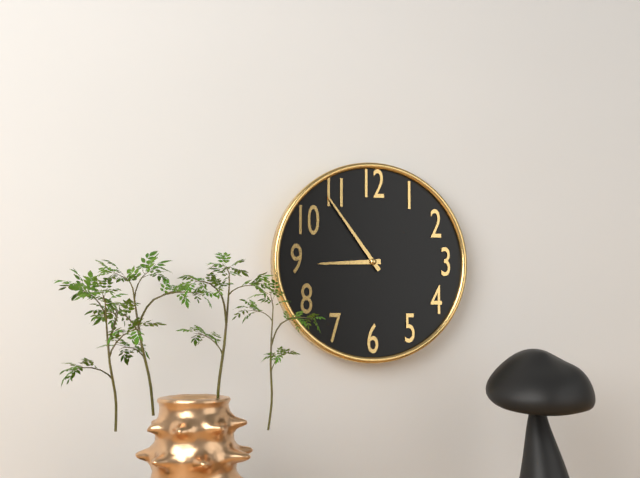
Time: {"hour": 8, "minute": 54}
